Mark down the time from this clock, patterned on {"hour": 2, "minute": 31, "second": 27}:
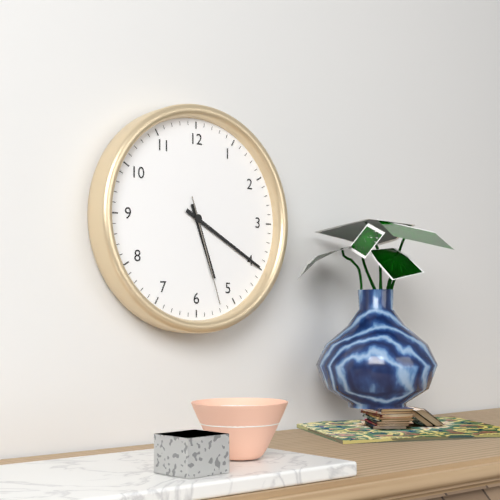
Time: {"hour": 5, "minute": 20, "second": 27}
